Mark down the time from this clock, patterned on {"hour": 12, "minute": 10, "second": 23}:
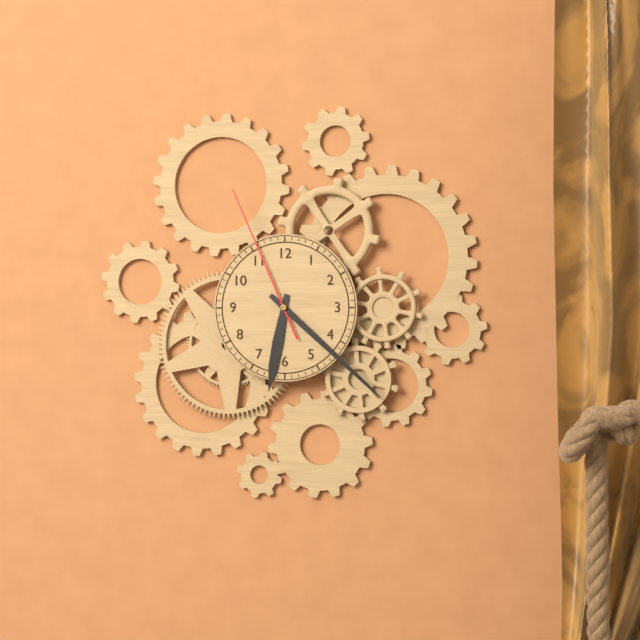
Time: {"hour": 6, "minute": 22, "second": 56}
